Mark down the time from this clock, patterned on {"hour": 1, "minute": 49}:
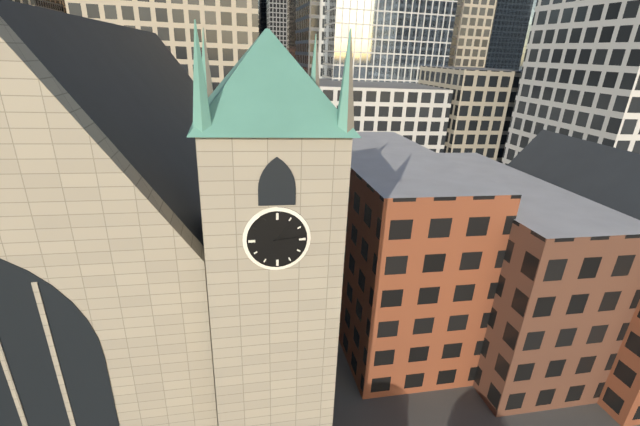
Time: {"hour": 1, "minute": 14}
